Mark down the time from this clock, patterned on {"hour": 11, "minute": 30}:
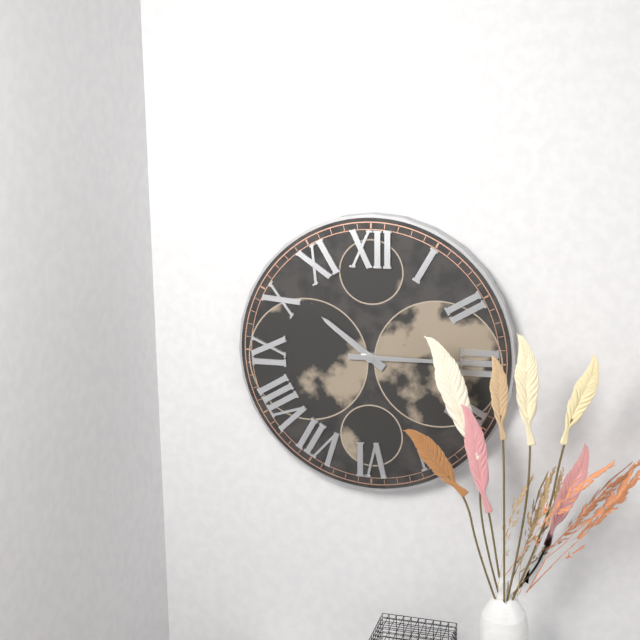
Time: {"hour": 10, "minute": 15}
